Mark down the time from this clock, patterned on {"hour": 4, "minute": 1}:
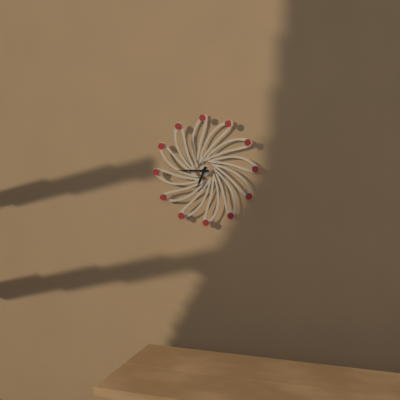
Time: {"hour": 6, "minute": 45}
